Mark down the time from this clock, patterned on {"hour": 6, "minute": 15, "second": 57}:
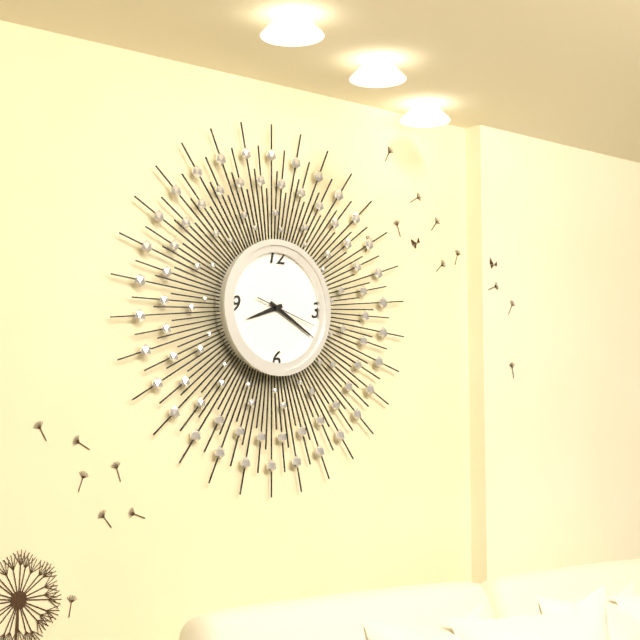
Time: {"hour": 8, "minute": 20, "second": 18}
